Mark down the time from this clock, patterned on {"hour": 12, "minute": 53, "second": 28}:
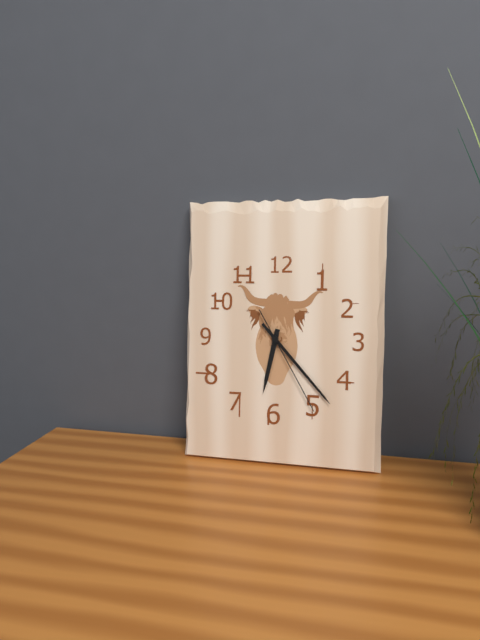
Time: {"hour": 6, "minute": 23, "second": 25}
